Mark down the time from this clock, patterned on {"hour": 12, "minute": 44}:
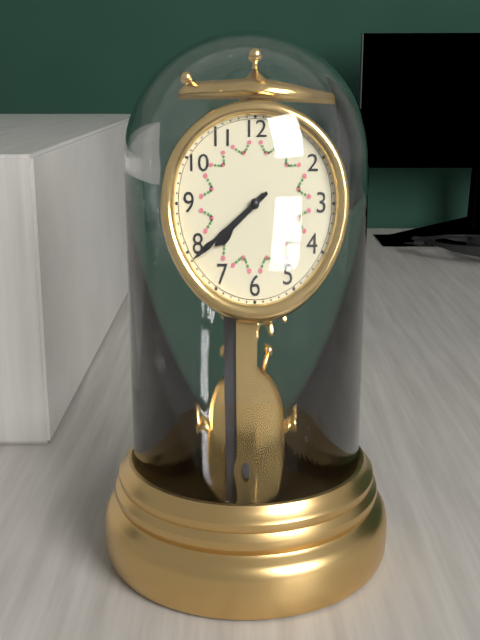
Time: {"hour": 7, "minute": 39}
